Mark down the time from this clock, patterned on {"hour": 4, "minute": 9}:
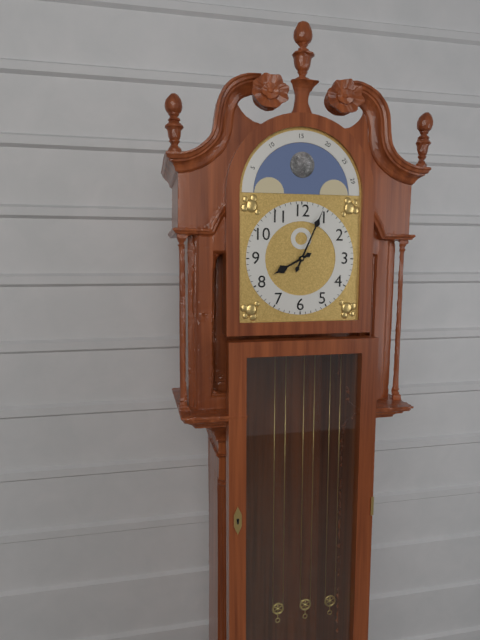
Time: {"hour": 8, "minute": 4}
